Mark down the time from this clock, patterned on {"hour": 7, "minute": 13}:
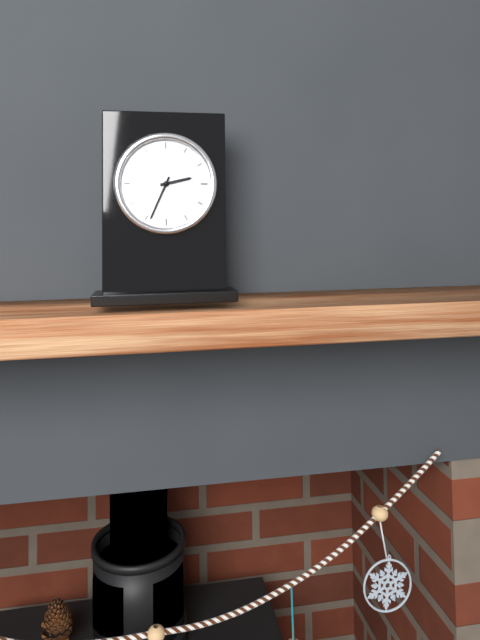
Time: {"hour": 2, "minute": 34}
